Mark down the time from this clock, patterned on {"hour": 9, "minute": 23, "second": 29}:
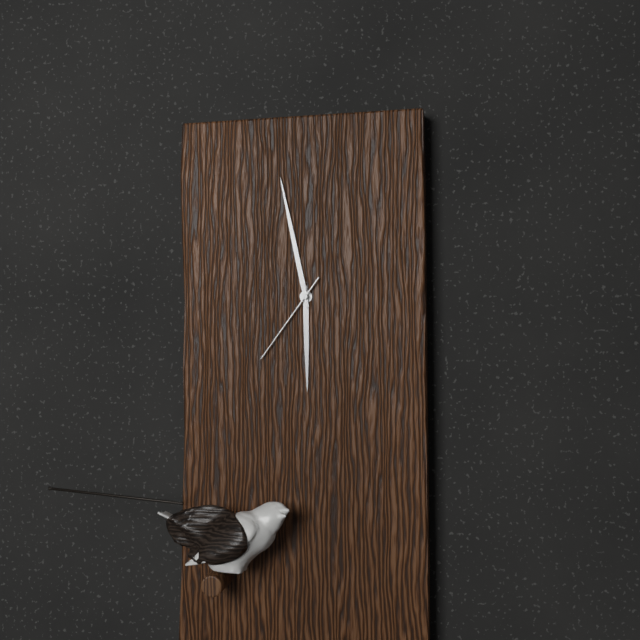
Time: {"hour": 5, "minute": 58, "second": 36}
